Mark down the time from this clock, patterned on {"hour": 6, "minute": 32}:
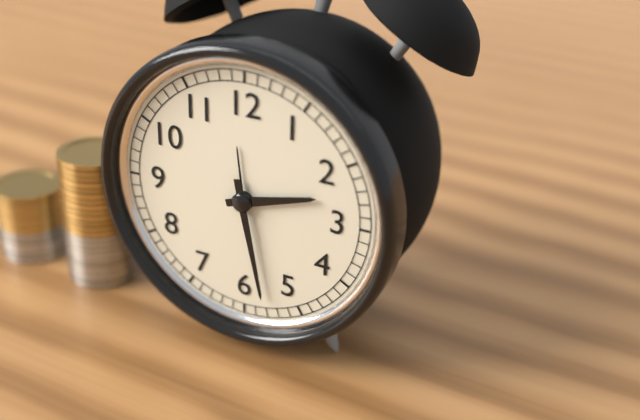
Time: {"hour": 2, "minute": 28}
